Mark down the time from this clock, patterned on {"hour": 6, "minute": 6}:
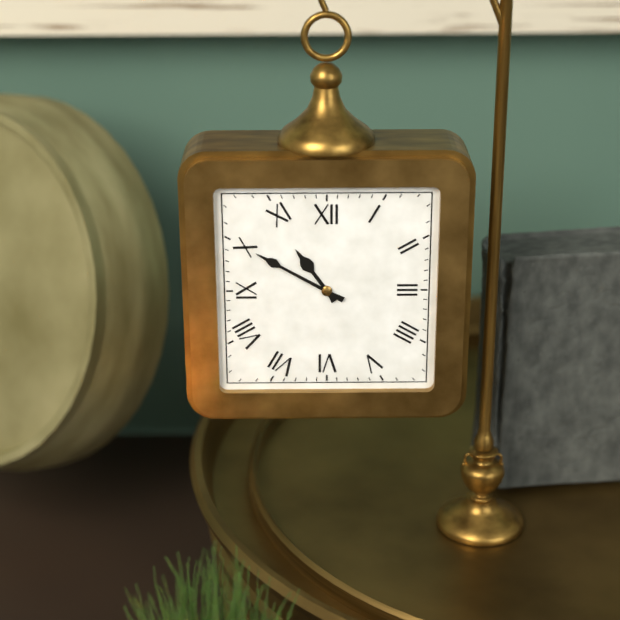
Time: {"hour": 10, "minute": 50}
